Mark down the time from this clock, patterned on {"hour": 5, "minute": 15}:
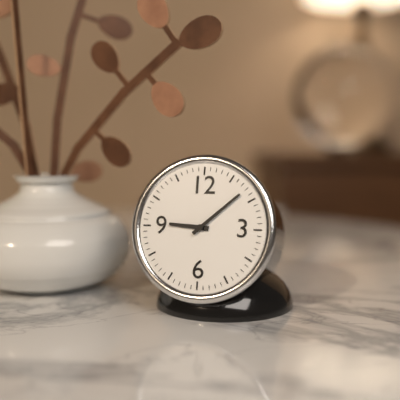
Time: {"hour": 9, "minute": 8}
